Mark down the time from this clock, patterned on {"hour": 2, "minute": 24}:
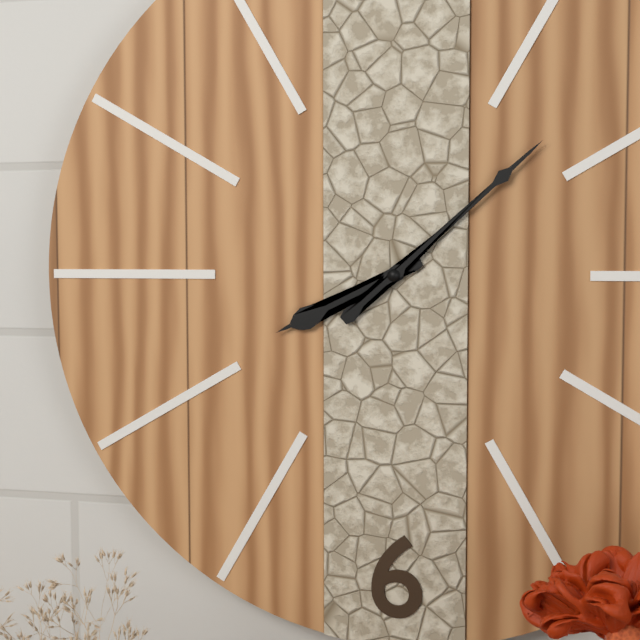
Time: {"hour": 8, "minute": 8}
